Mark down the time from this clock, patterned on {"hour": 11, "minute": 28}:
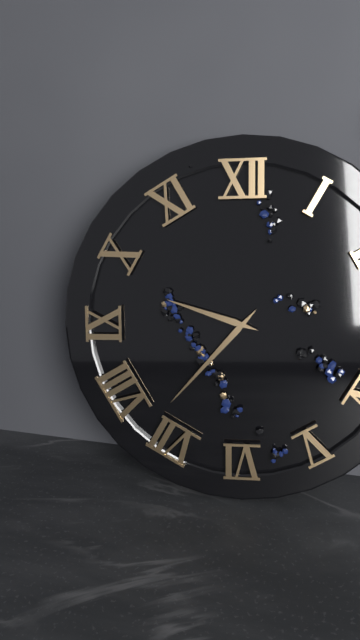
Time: {"hour": 9, "minute": 37}
